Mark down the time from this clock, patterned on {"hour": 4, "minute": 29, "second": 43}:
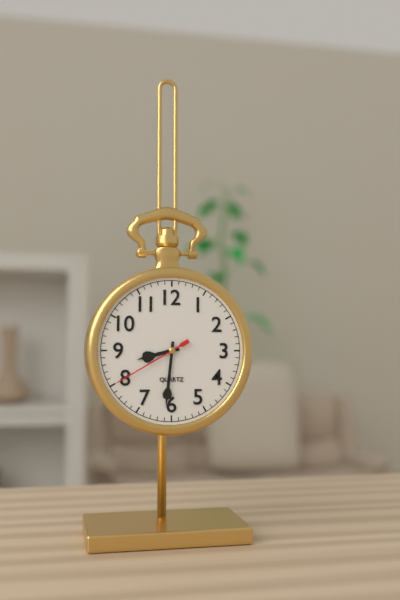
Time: {"hour": 8, "minute": 31, "second": 40}
